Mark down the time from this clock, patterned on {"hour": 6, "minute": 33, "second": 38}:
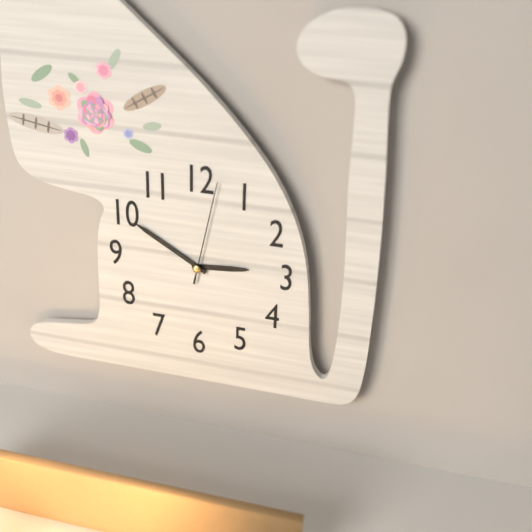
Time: {"hour": 2, "minute": 50, "second": 2}
